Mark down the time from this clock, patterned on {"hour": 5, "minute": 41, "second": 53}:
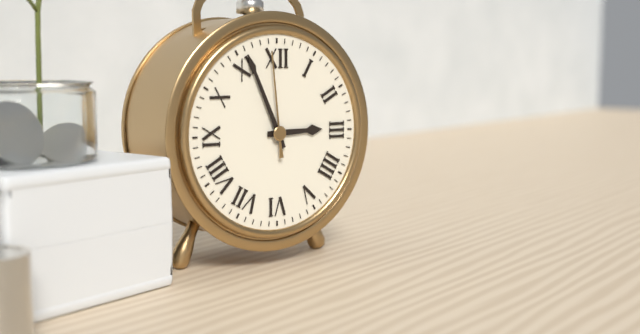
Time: {"hour": 2, "minute": 56, "second": 59}
